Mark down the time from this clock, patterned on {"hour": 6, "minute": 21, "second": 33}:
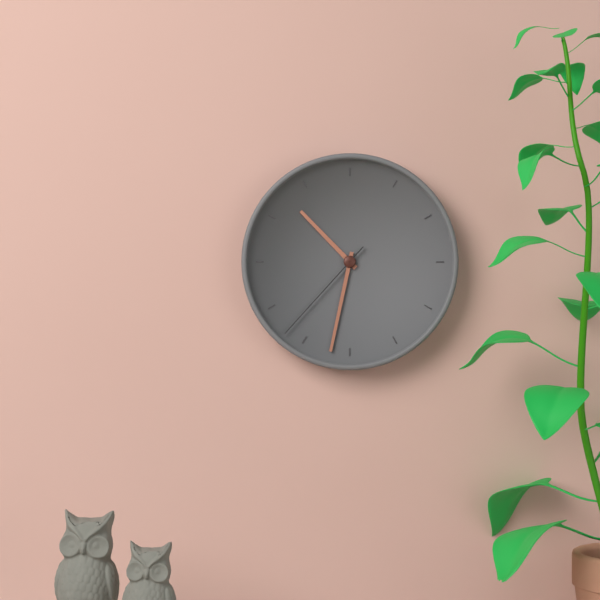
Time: {"hour": 10, "minute": 32, "second": 37}
